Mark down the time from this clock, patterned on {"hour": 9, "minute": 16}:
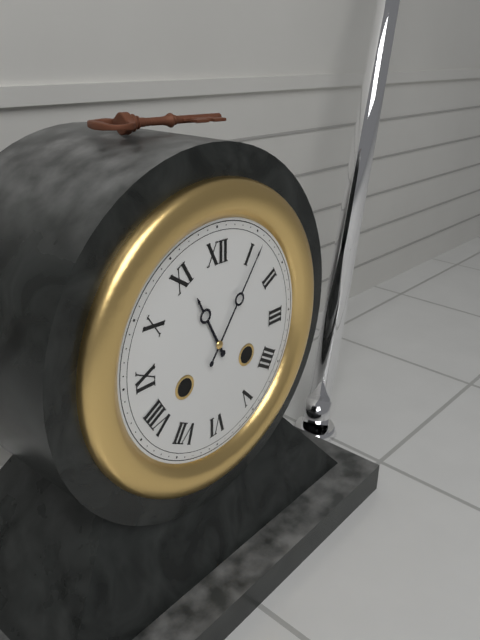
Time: {"hour": 11, "minute": 6}
